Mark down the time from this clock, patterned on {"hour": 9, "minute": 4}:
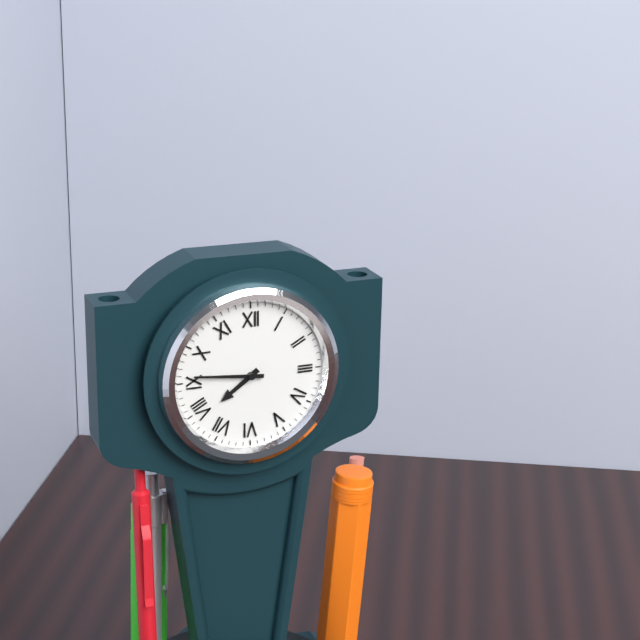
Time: {"hour": 7, "minute": 46}
